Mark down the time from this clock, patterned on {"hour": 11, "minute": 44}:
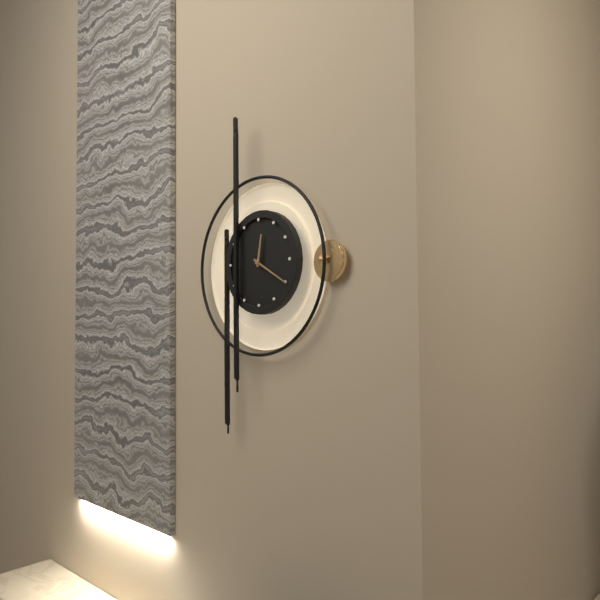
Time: {"hour": 12, "minute": 20}
